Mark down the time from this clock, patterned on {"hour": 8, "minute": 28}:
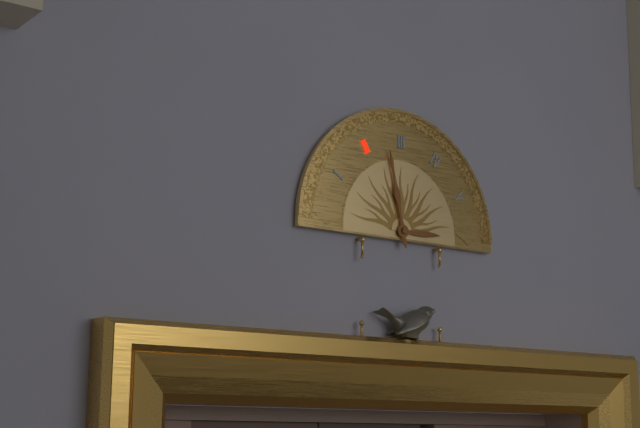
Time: {"hour": 2, "minute": 58}
